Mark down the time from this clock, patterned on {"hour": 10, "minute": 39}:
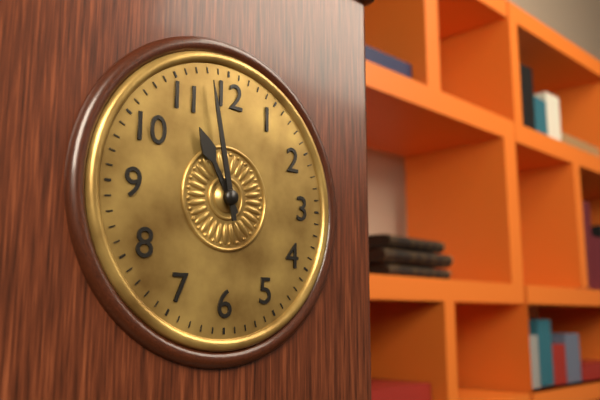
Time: {"hour": 10, "minute": 58}
